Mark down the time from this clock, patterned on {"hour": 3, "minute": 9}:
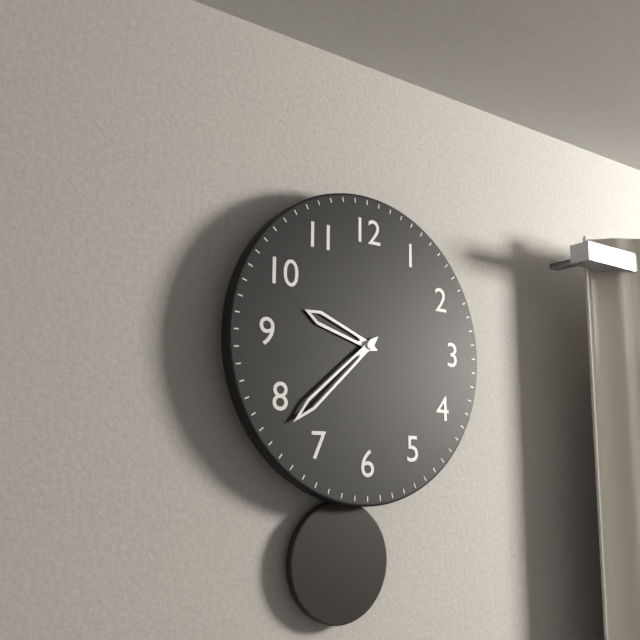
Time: {"hour": 9, "minute": 38}
